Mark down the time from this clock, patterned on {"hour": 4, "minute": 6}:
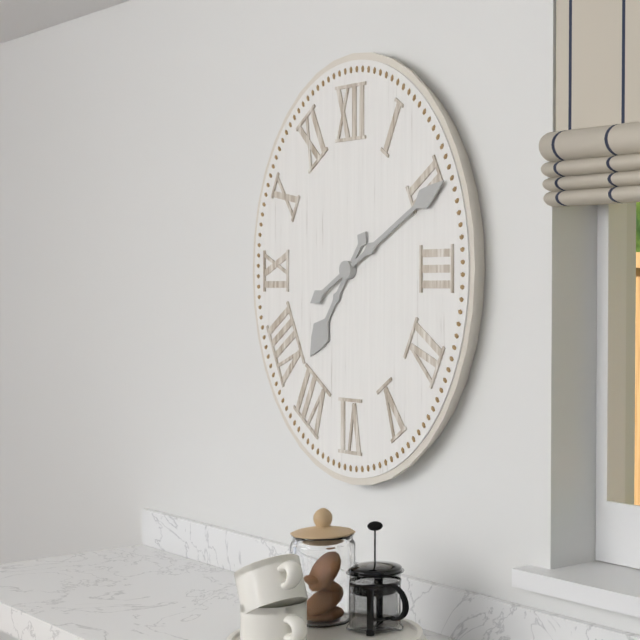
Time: {"hour": 7, "minute": 10}
